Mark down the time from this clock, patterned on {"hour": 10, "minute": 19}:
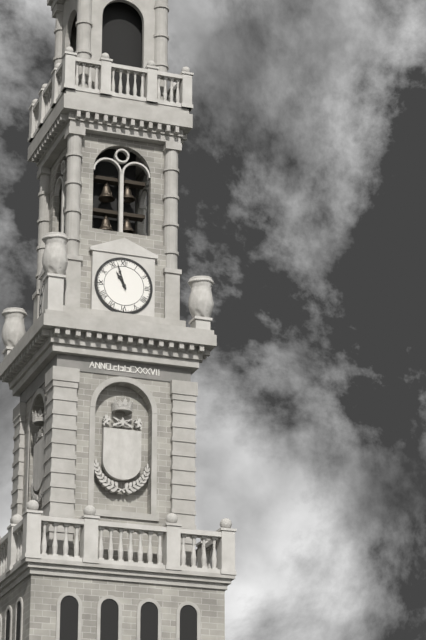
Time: {"hour": 10, "minute": 57}
